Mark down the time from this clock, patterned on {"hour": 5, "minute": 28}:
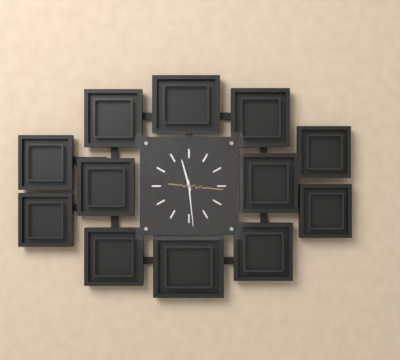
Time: {"hour": 11, "minute": 29}
